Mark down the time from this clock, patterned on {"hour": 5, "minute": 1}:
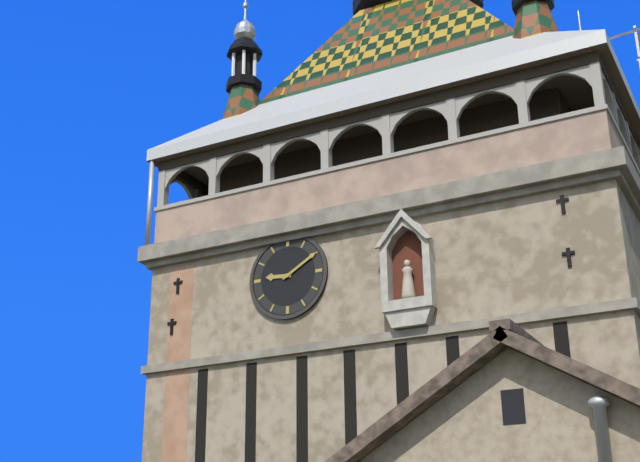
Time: {"hour": 9, "minute": 10}
